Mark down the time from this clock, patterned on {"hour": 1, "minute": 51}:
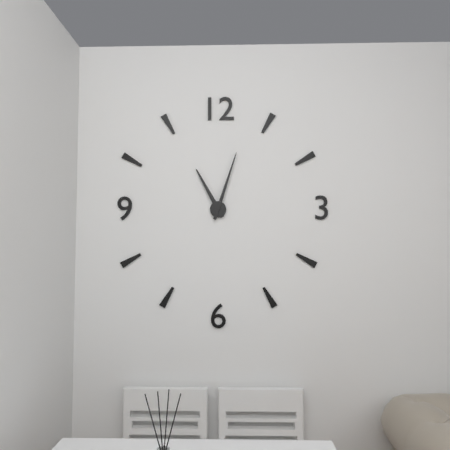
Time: {"hour": 11, "minute": 3}
